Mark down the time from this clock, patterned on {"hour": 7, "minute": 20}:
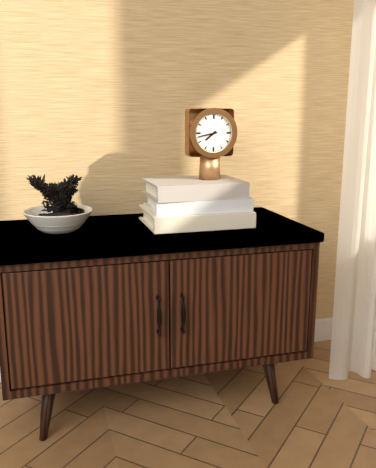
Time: {"hour": 7, "minute": 43}
